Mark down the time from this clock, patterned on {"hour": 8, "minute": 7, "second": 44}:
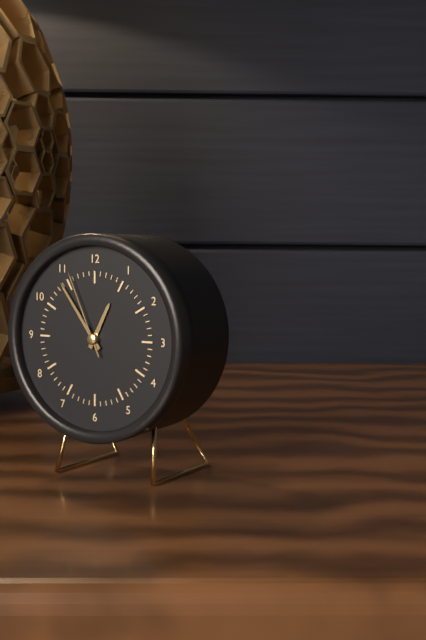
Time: {"hour": 12, "minute": 54, "second": 56}
